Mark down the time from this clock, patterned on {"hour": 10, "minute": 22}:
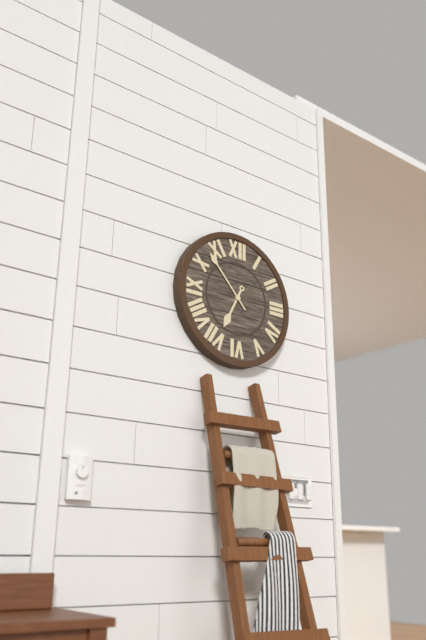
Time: {"hour": 6, "minute": 53}
